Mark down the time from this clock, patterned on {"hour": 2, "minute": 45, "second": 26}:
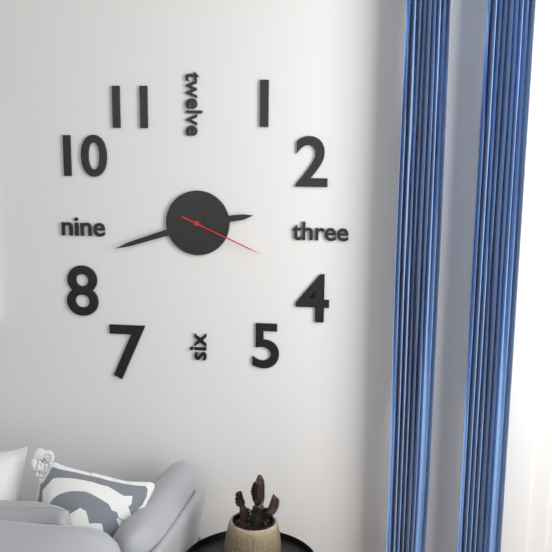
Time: {"hour": 2, "minute": 42, "second": 19}
